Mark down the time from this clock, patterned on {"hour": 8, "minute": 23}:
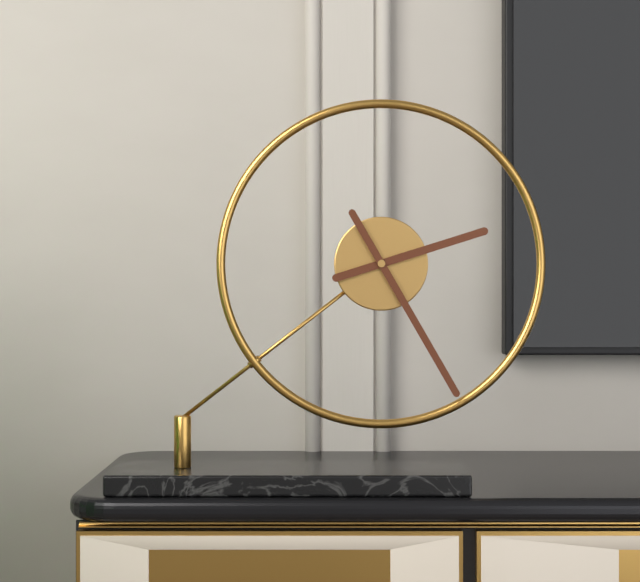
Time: {"hour": 2, "minute": 25}
